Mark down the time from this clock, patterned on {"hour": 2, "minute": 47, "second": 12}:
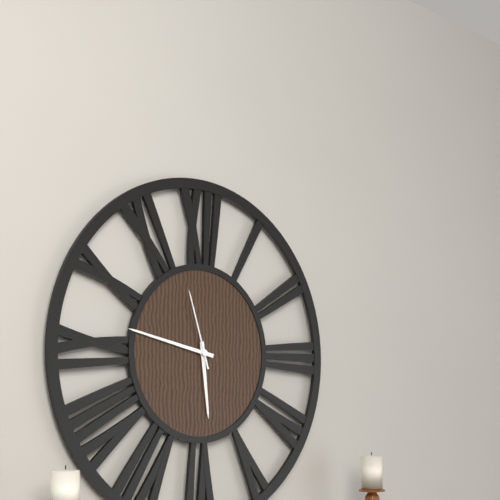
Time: {"hour": 5, "minute": 47, "second": 57}
